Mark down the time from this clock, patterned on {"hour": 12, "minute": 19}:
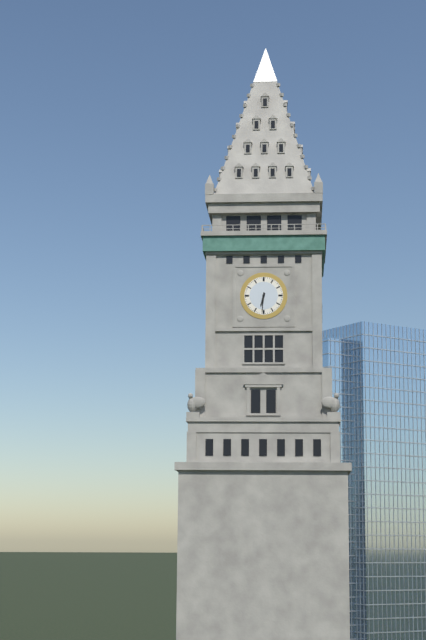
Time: {"hour": 6, "minute": 31}
